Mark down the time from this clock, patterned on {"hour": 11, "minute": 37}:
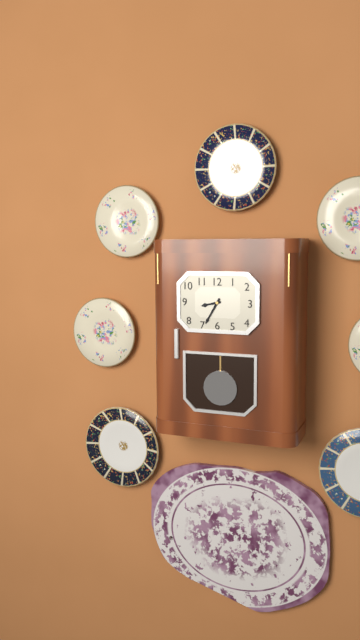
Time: {"hour": 8, "minute": 35}
